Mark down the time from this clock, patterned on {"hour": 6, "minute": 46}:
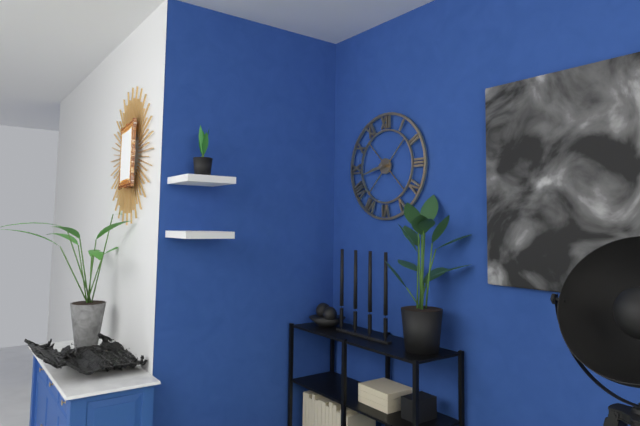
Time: {"hour": 8, "minute": 43}
